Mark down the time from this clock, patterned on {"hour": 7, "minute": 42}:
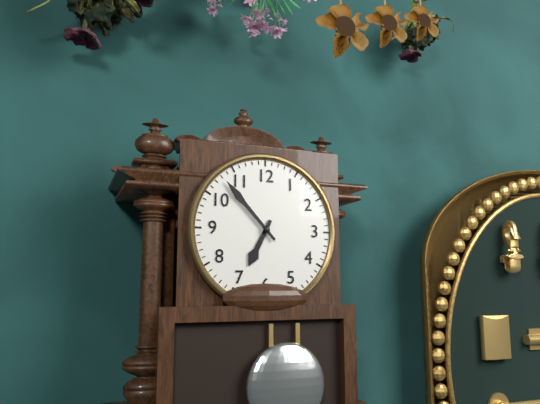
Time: {"hour": 6, "minute": 53}
